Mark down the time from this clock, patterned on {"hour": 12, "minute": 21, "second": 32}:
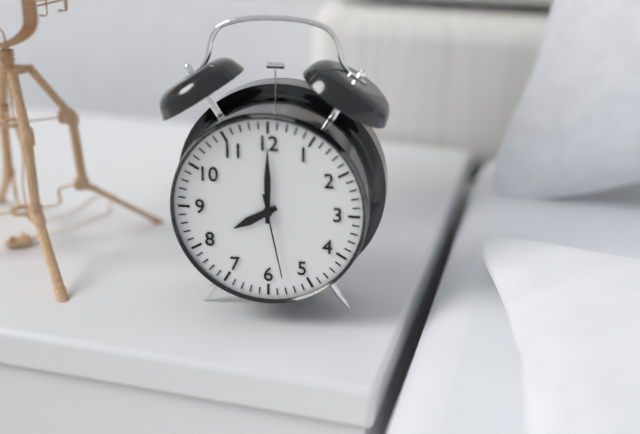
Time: {"hour": 8, "minute": 0, "second": 28}
